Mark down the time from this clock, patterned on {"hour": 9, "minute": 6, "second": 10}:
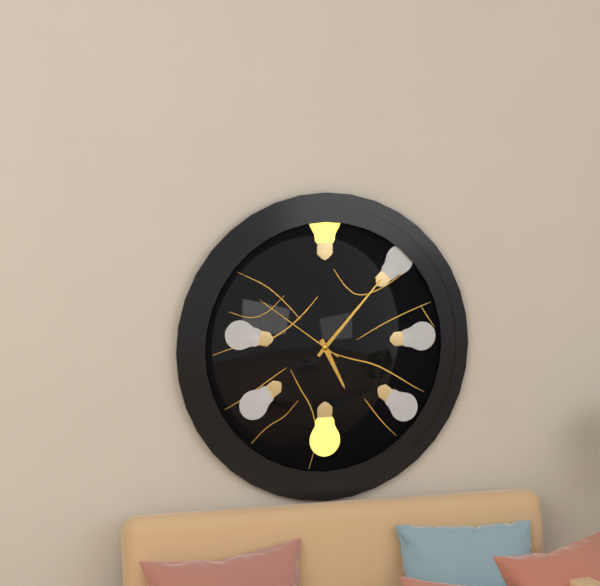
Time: {"hour": 5, "minute": 7, "second": 51}
